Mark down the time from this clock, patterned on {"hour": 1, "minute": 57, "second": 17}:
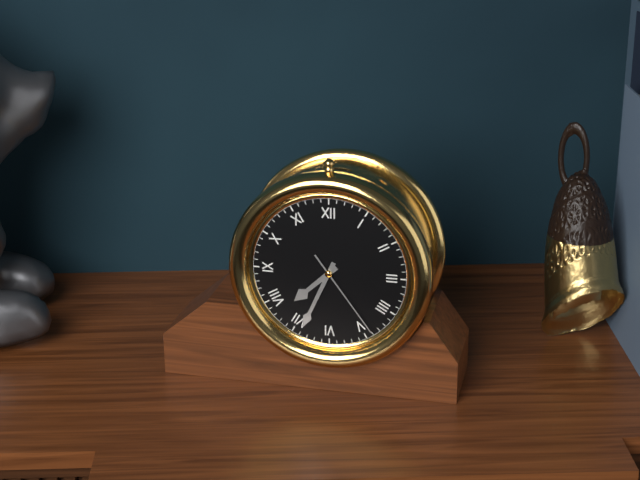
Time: {"hour": 7, "minute": 34, "second": 24}
